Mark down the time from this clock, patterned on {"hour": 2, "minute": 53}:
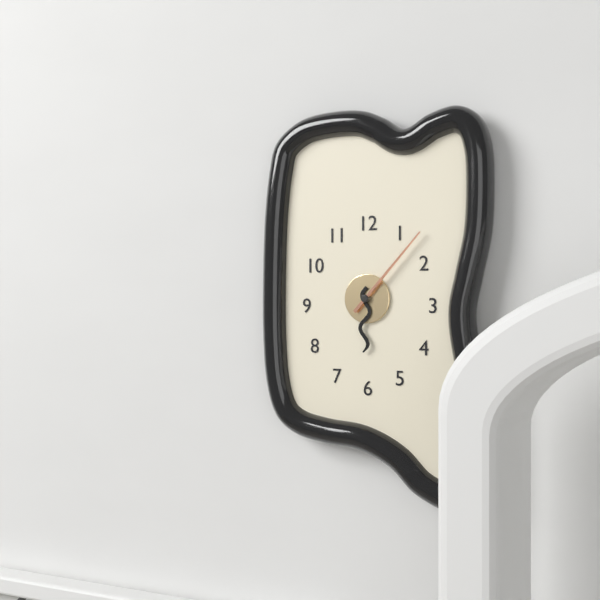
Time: {"hour": 6, "minute": 7}
